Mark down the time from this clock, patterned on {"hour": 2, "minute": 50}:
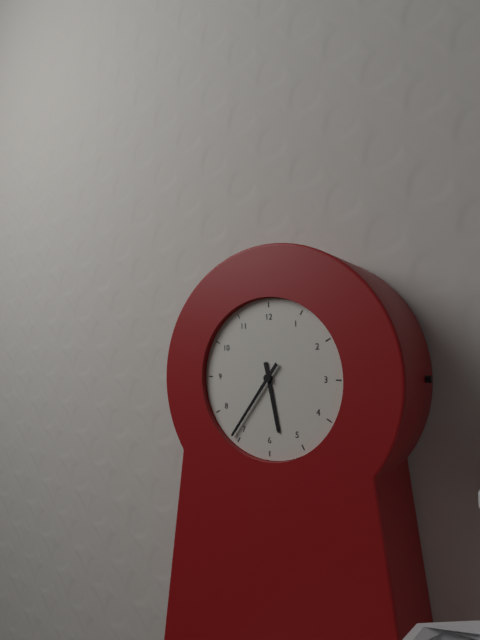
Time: {"hour": 5, "minute": 36}
